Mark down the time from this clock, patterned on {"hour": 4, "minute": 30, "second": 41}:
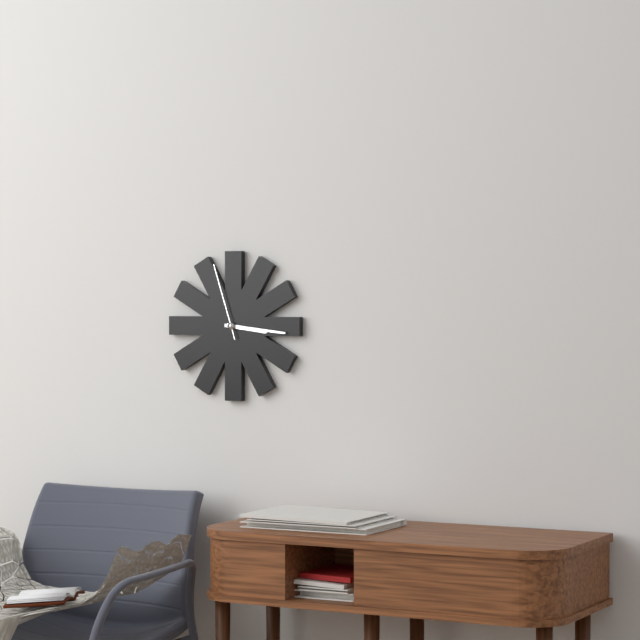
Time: {"hour": 3, "minute": 16, "second": 57}
